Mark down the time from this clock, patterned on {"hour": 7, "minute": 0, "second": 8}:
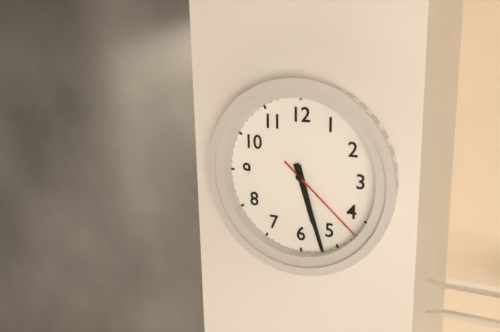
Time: {"hour": 5, "minute": 27, "second": 22}
